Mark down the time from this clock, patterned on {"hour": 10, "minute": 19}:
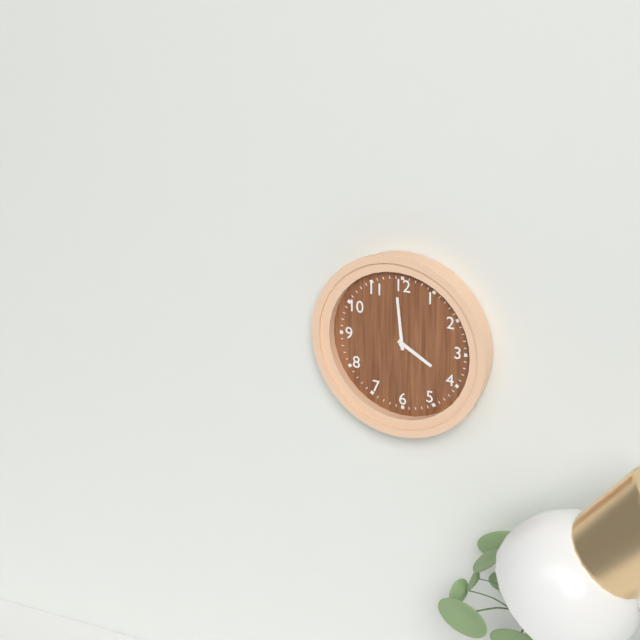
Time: {"hour": 3, "minute": 59}
